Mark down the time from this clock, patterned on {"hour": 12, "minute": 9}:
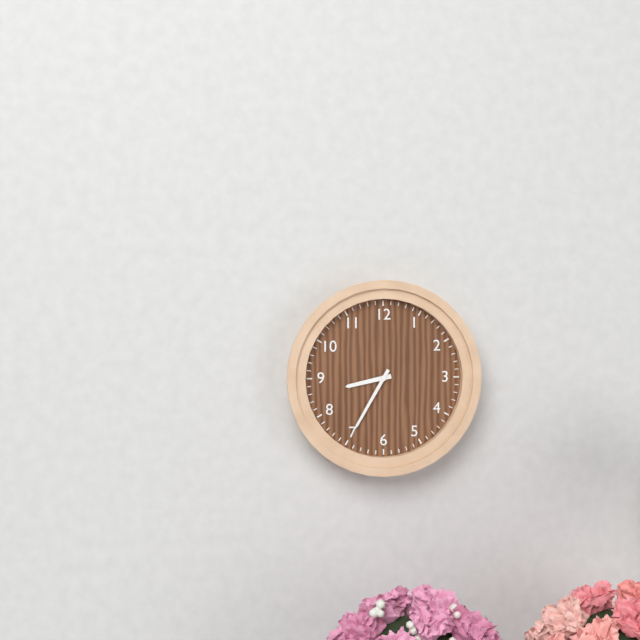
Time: {"hour": 8, "minute": 35}
